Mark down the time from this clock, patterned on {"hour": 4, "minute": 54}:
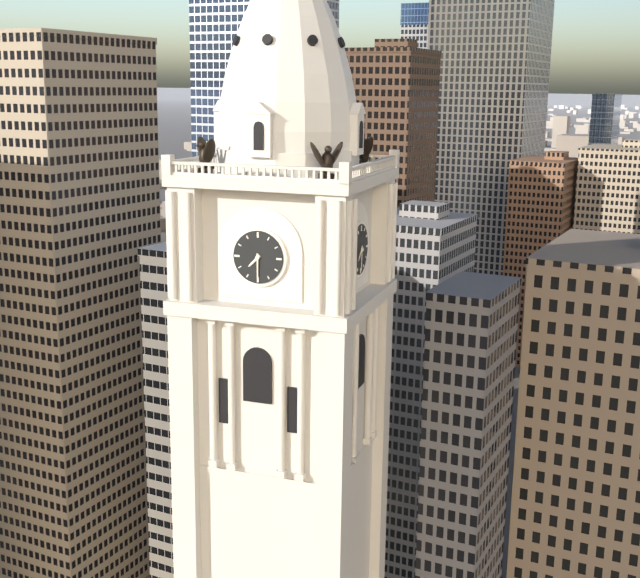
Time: {"hour": 7, "minute": 30}
